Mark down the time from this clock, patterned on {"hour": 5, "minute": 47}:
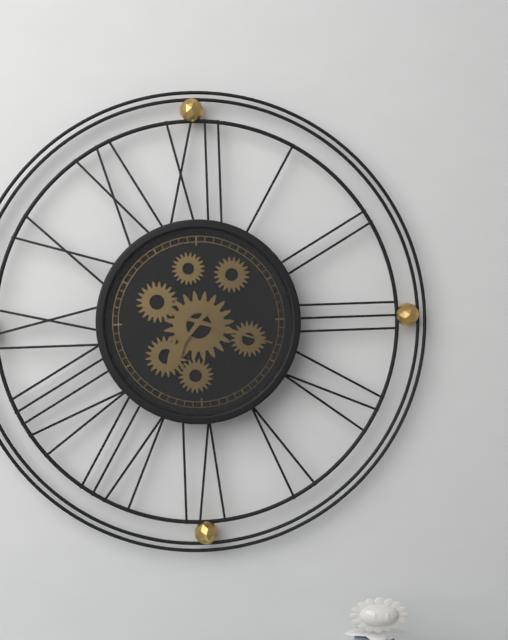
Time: {"hour": 7, "minute": 18}
